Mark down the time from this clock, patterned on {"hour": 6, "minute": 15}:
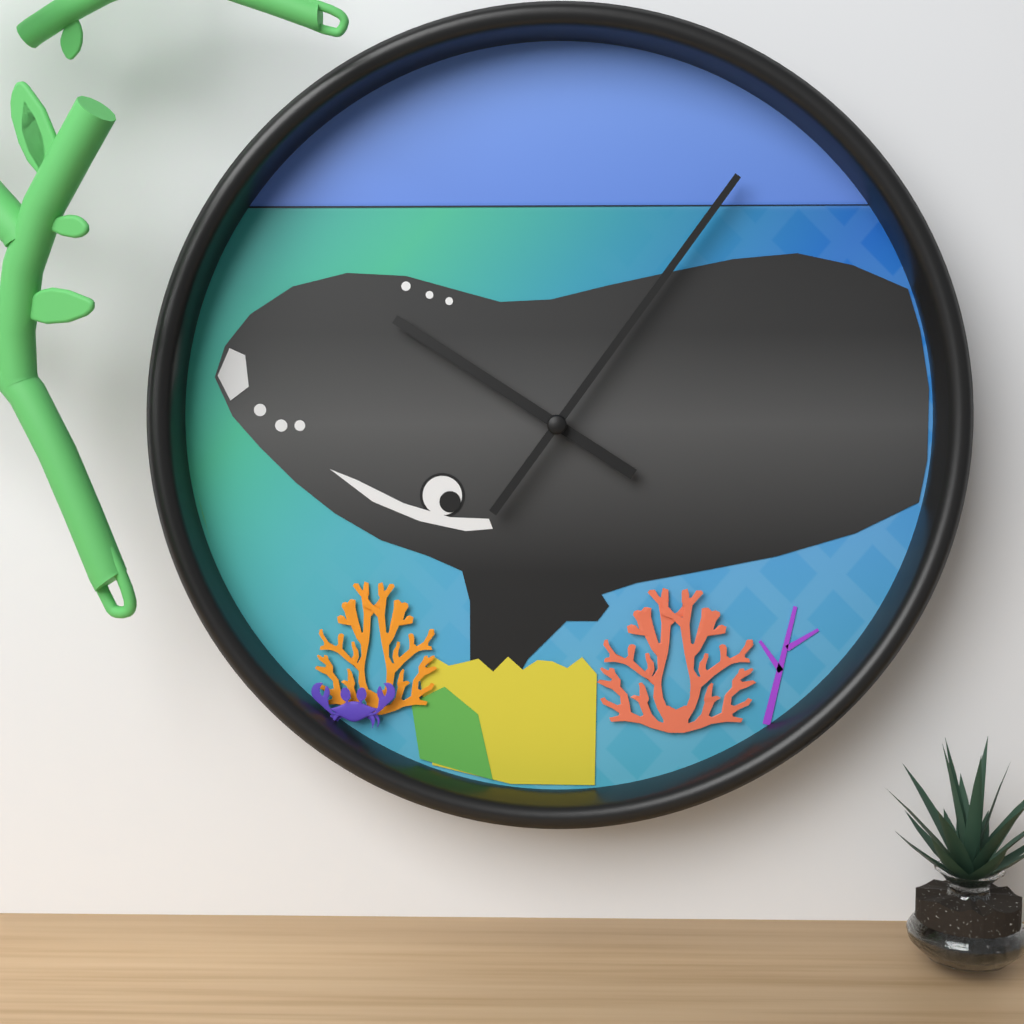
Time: {"hour": 10, "minute": 6}
